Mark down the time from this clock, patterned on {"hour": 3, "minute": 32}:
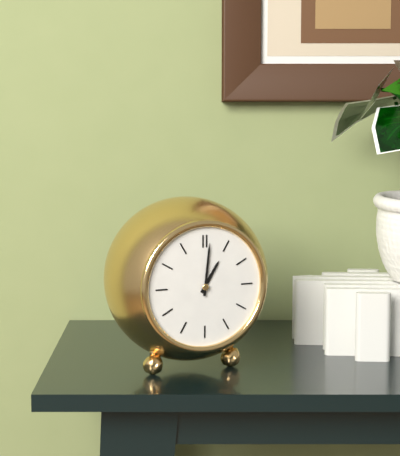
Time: {"hour": 1, "minute": 1}
